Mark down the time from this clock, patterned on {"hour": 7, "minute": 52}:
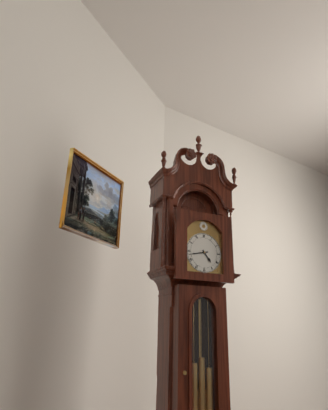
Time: {"hour": 4, "minute": 43}
